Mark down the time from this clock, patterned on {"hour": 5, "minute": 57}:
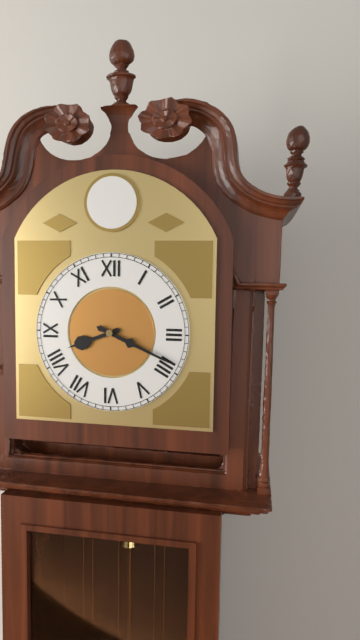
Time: {"hour": 8, "minute": 19}
